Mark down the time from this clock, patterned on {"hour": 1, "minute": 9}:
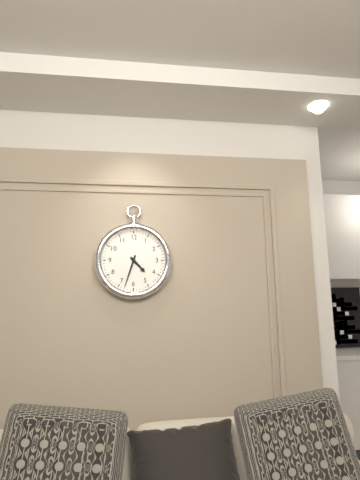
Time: {"hour": 4, "minute": 33}
